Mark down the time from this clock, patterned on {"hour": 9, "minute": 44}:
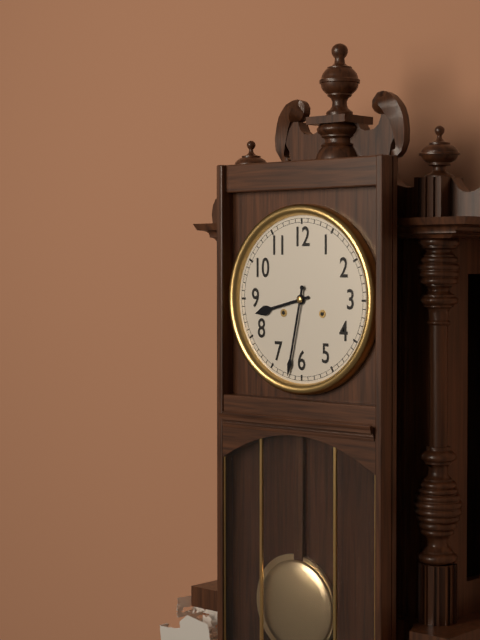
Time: {"hour": 8, "minute": 32}
